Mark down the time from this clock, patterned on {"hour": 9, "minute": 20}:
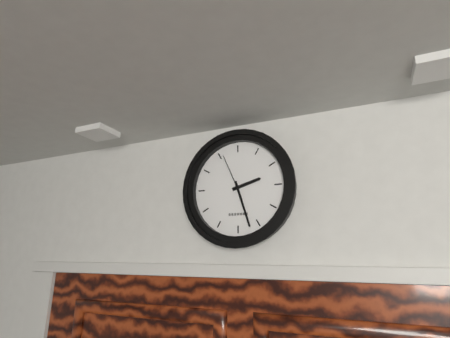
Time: {"hour": 2, "minute": 27}
